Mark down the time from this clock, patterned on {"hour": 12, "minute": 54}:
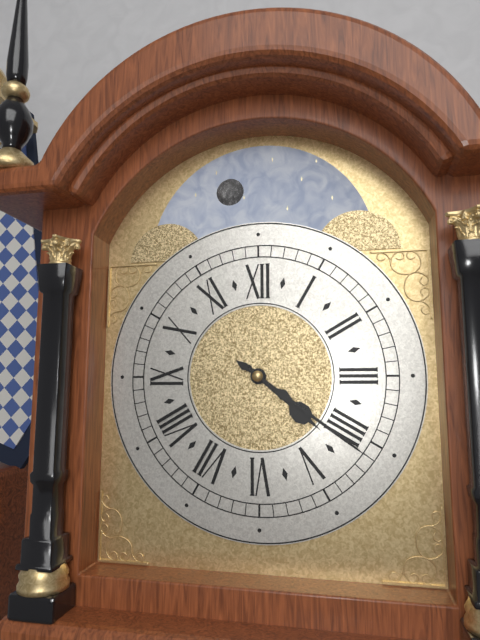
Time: {"hour": 4, "minute": 21}
